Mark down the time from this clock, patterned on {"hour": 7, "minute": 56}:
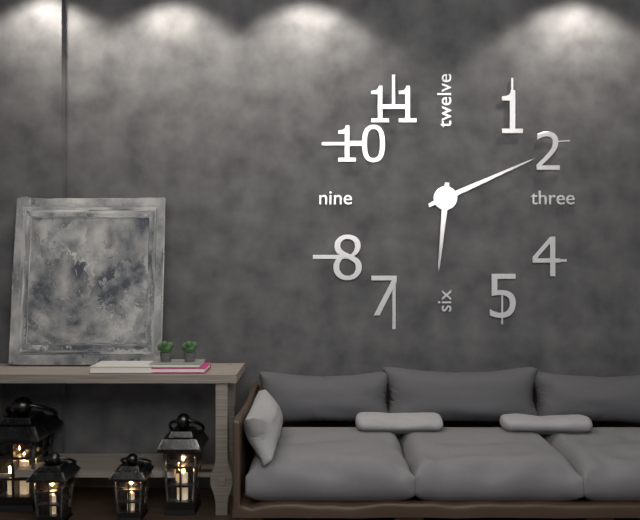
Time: {"hour": 6, "minute": 11}
